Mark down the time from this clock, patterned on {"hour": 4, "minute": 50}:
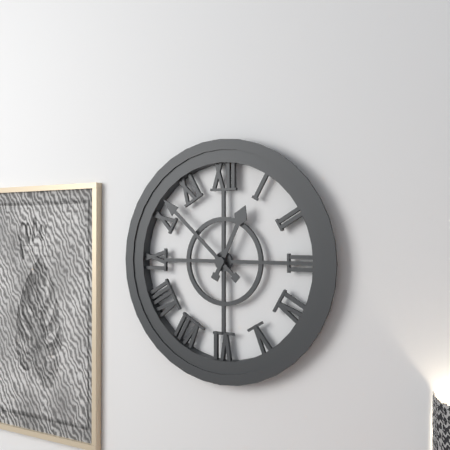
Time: {"hour": 12, "minute": 52}
